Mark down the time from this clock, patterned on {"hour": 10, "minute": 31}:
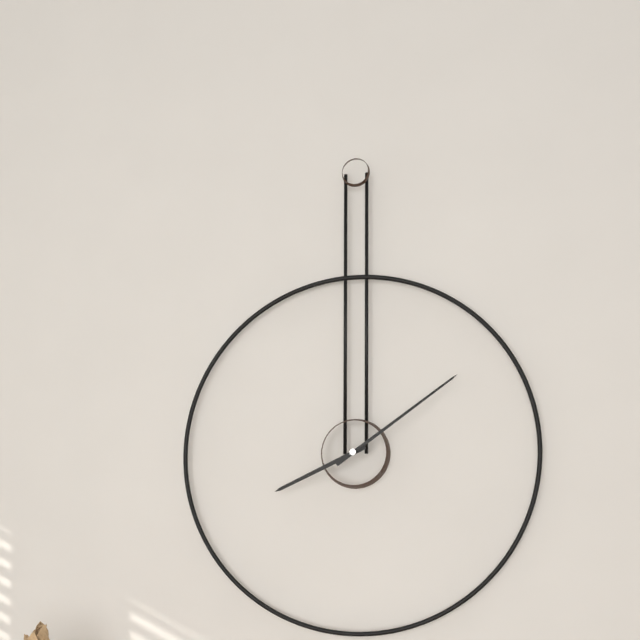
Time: {"hour": 8, "minute": 9}
